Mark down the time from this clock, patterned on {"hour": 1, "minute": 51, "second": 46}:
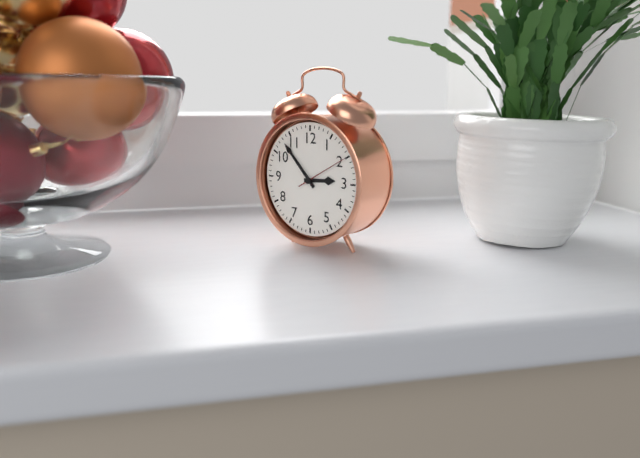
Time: {"hour": 2, "minute": 53, "second": 10}
